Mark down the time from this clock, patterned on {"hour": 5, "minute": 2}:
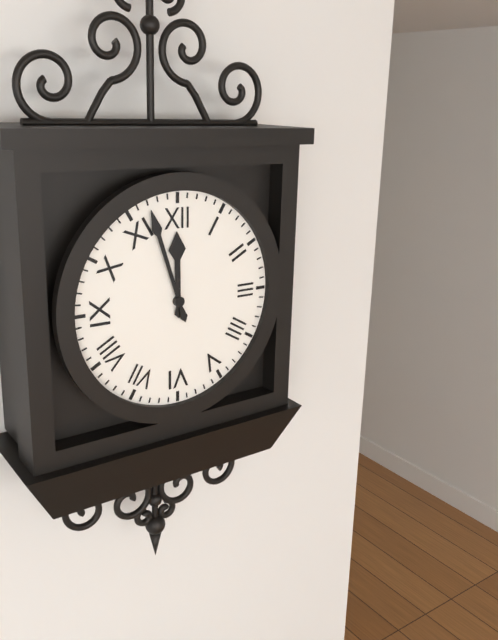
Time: {"hour": 11, "minute": 57}
